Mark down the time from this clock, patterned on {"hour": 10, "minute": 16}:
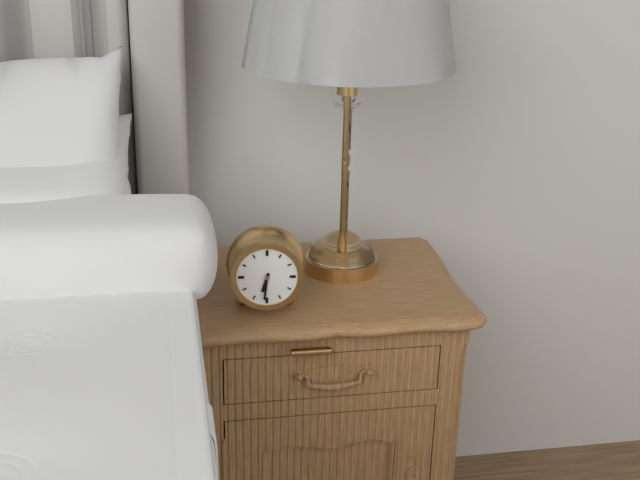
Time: {"hour": 6, "minute": 31}
